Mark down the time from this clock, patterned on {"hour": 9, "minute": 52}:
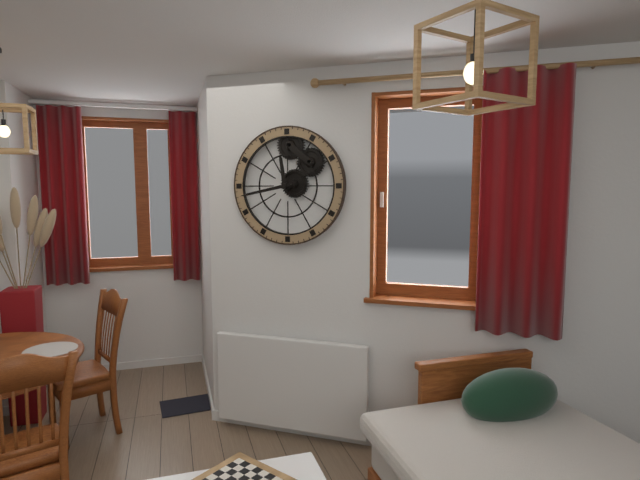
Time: {"hour": 11, "minute": 43}
